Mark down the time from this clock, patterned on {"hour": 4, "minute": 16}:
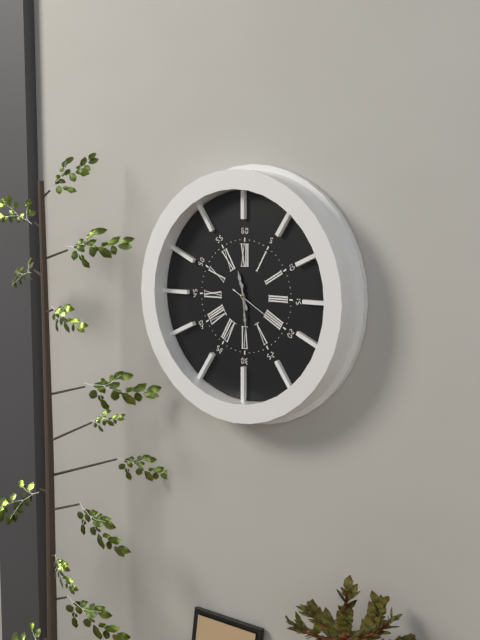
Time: {"hour": 11, "minute": 29}
